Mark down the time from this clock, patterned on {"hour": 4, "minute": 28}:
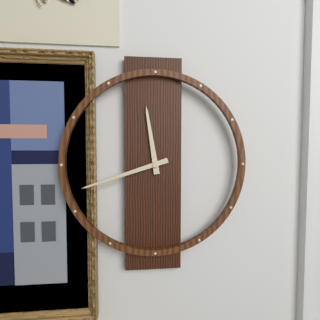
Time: {"hour": 11, "minute": 42}
